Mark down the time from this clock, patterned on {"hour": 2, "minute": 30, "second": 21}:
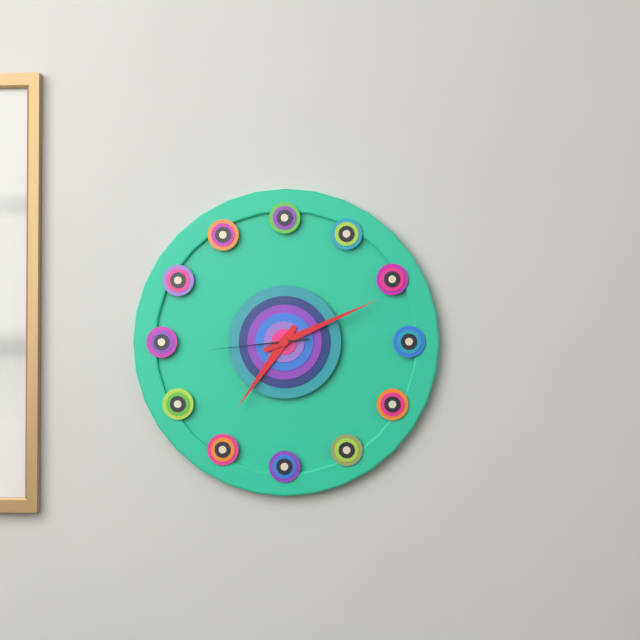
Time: {"hour": 7, "minute": 11, "second": 44}
